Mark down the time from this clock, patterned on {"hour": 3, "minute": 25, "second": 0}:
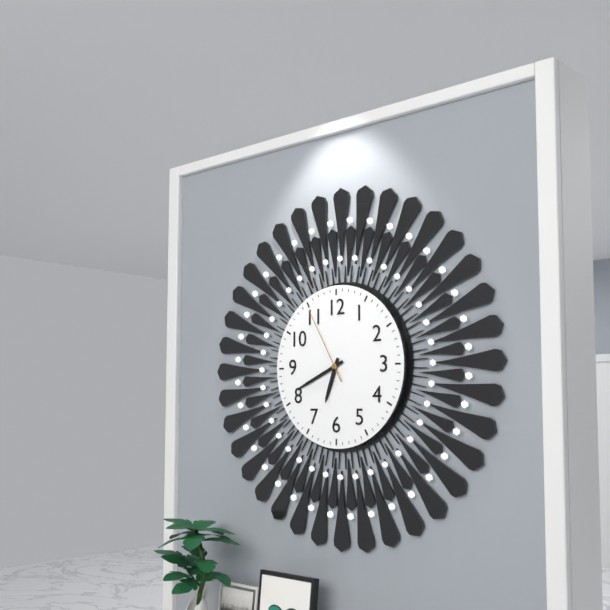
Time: {"hour": 6, "minute": 41, "second": 55}
